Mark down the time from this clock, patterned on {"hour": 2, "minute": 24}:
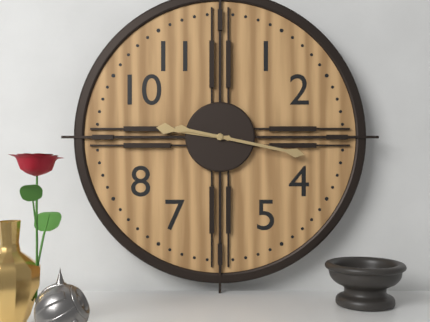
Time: {"hour": 9, "minute": 17}
